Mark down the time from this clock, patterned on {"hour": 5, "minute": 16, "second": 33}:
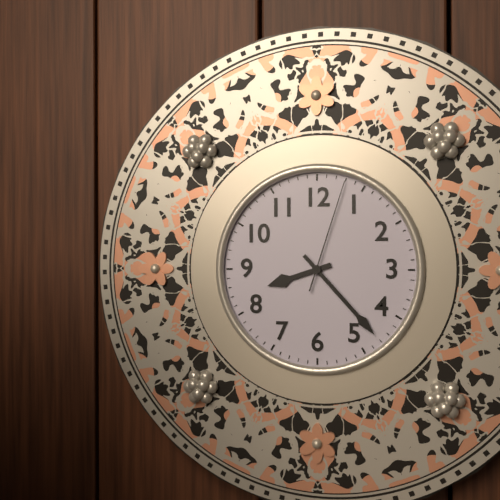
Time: {"hour": 8, "minute": 23, "second": 3}
